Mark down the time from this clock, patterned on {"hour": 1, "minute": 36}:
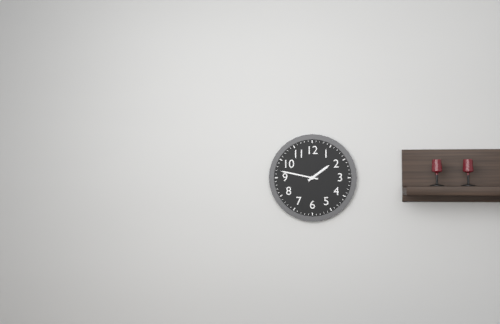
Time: {"hour": 1, "minute": 47}
